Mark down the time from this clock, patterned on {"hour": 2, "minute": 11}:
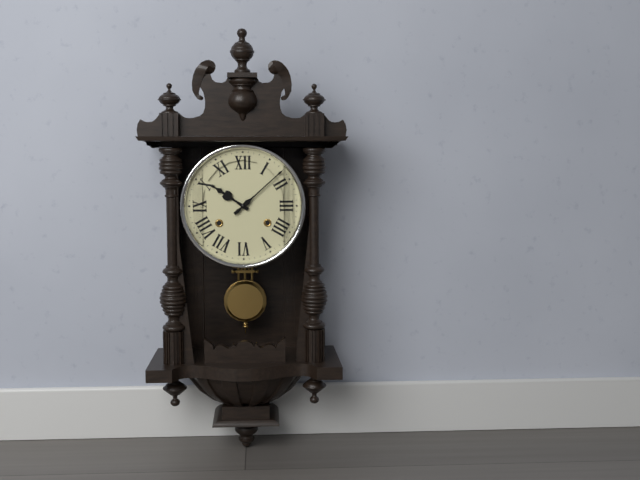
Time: {"hour": 10, "minute": 8}
